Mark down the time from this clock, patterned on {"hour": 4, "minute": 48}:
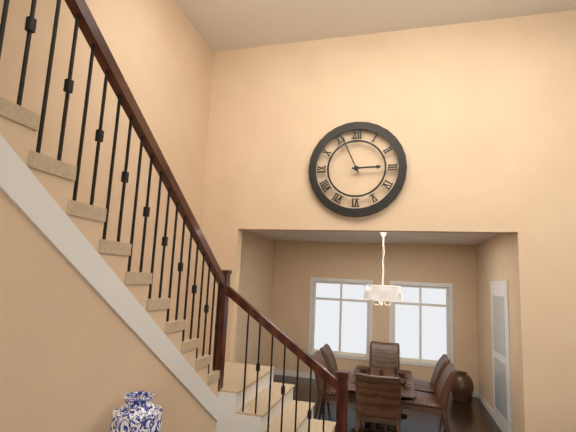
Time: {"hour": 2, "minute": 56}
